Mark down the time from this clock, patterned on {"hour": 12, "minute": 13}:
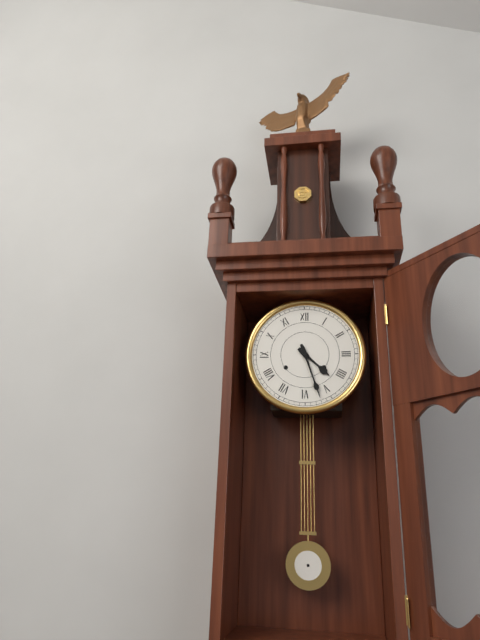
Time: {"hour": 4, "minute": 27}
